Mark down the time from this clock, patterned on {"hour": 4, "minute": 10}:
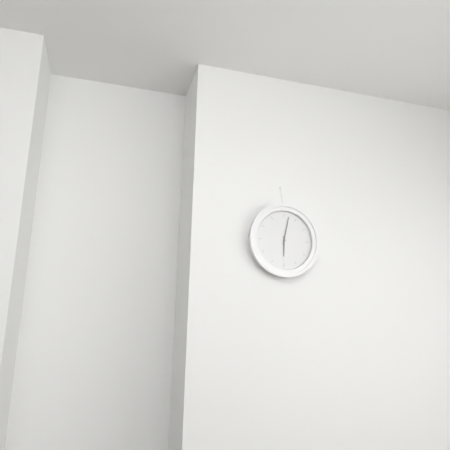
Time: {"hour": 6, "minute": 2}
